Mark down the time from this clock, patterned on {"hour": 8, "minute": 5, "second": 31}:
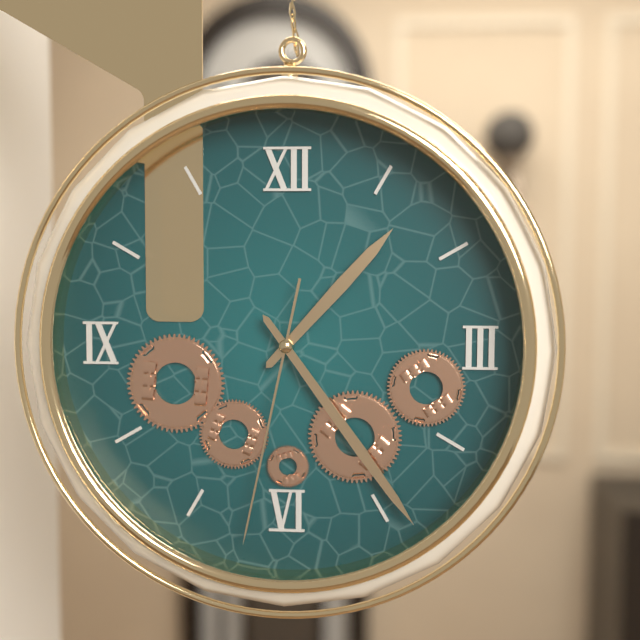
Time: {"hour": 1, "minute": 24, "second": 32}
